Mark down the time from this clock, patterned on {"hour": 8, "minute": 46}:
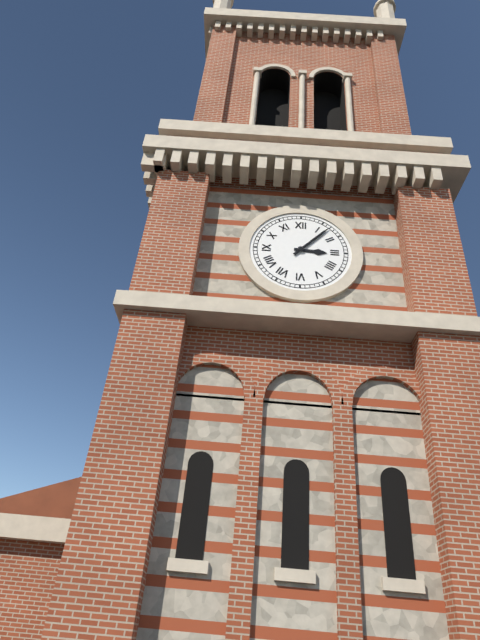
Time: {"hour": 3, "minute": 7}
